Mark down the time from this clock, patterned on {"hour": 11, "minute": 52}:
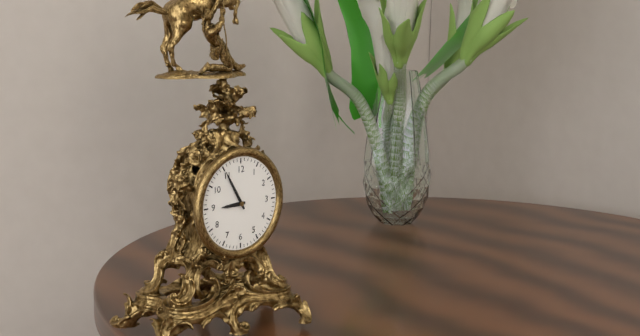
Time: {"hour": 8, "minute": 55}
